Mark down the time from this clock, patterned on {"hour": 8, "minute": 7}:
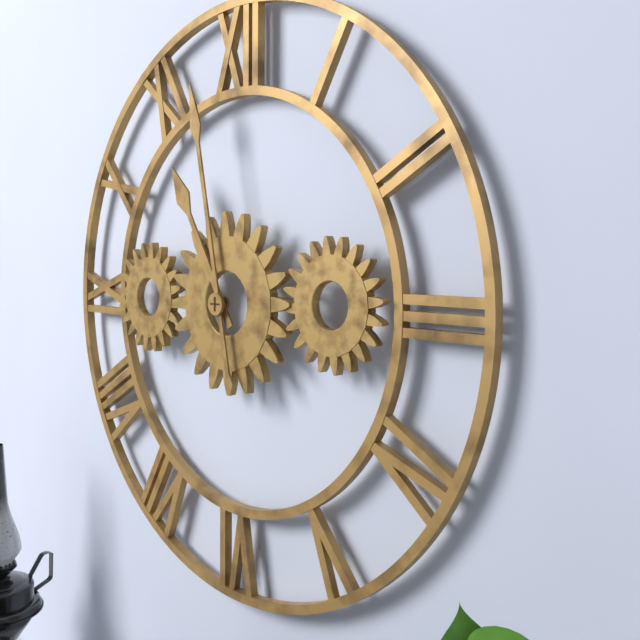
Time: {"hour": 10, "minute": 58}
